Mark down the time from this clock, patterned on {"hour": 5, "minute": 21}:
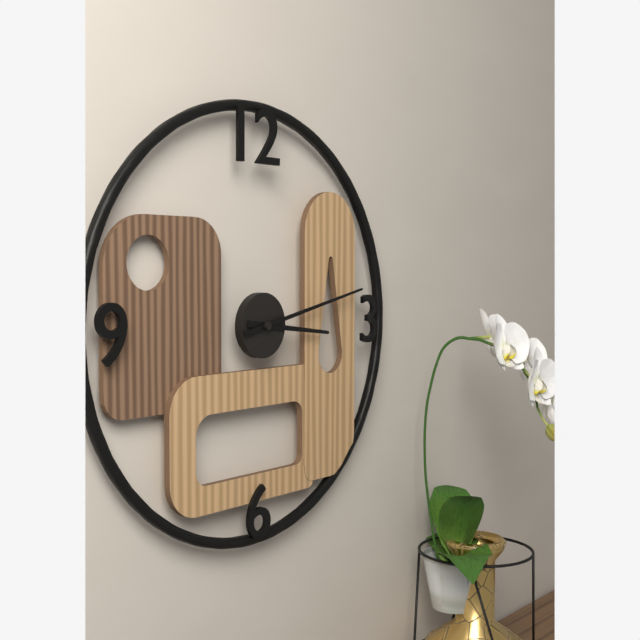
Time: {"hour": 3, "minute": 13}
